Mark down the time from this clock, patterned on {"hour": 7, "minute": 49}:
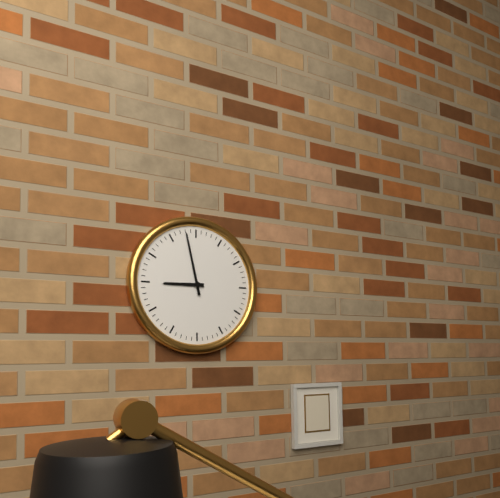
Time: {"hour": 8, "minute": 58}
